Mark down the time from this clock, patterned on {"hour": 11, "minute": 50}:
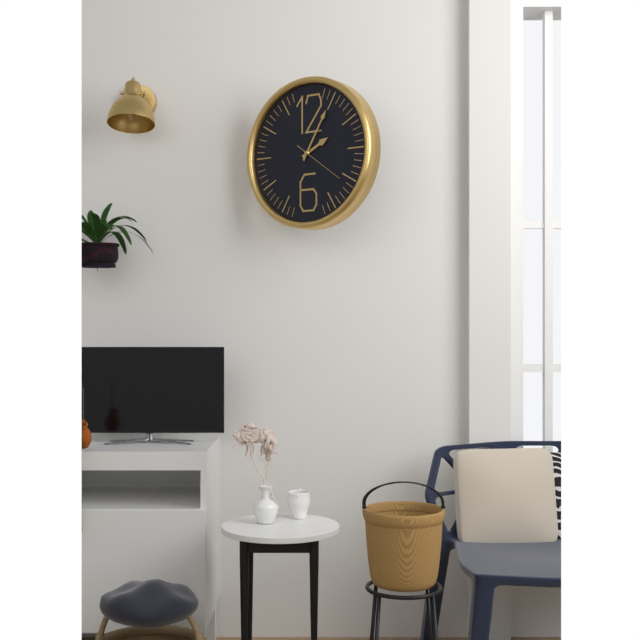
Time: {"hour": 2, "minute": 5}
